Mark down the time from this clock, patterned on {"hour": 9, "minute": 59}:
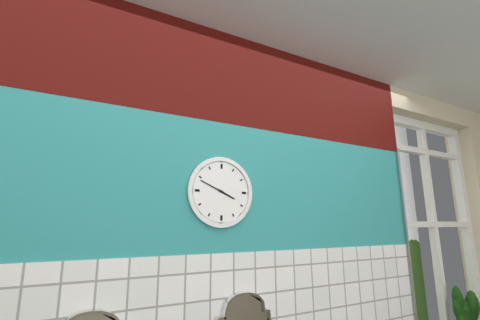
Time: {"hour": 3, "minute": 49}
